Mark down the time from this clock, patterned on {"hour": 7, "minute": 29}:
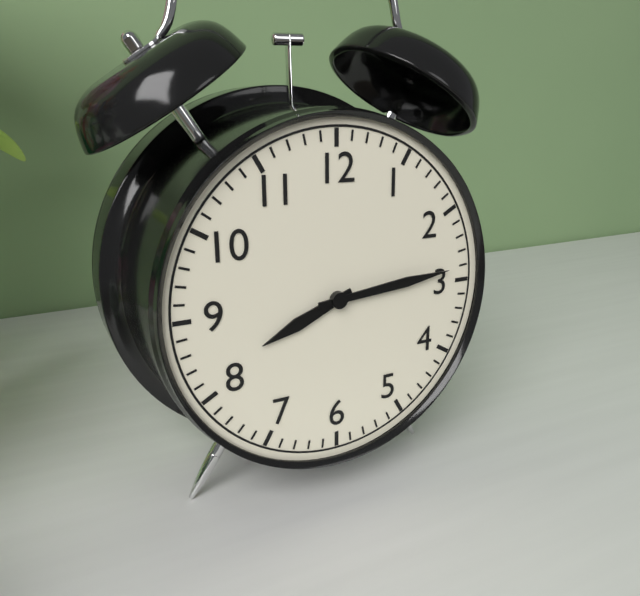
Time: {"hour": 8, "minute": 14}
